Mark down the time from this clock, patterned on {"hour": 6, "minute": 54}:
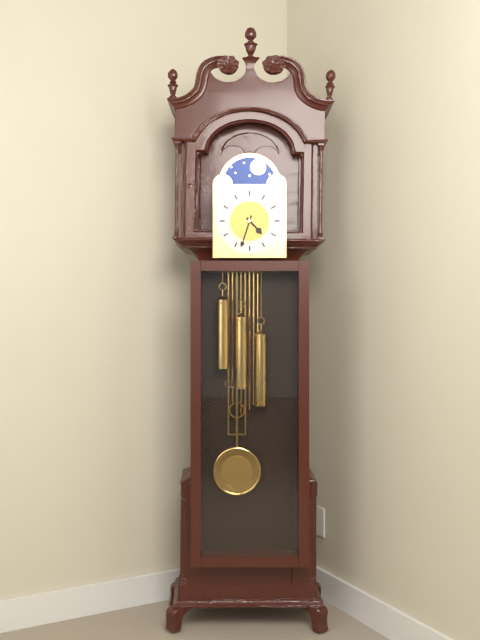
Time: {"hour": 4, "minute": 33}
